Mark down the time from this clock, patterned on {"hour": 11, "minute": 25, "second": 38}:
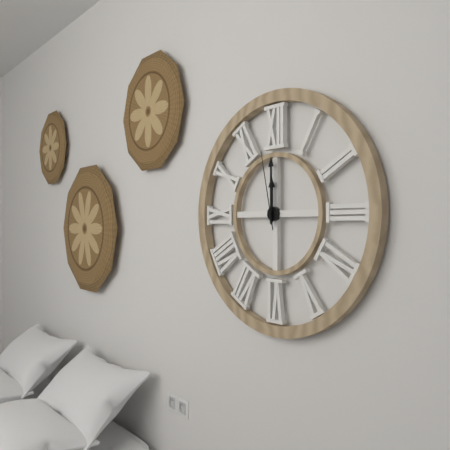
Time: {"hour": 12, "minute": 0, "second": 58}
